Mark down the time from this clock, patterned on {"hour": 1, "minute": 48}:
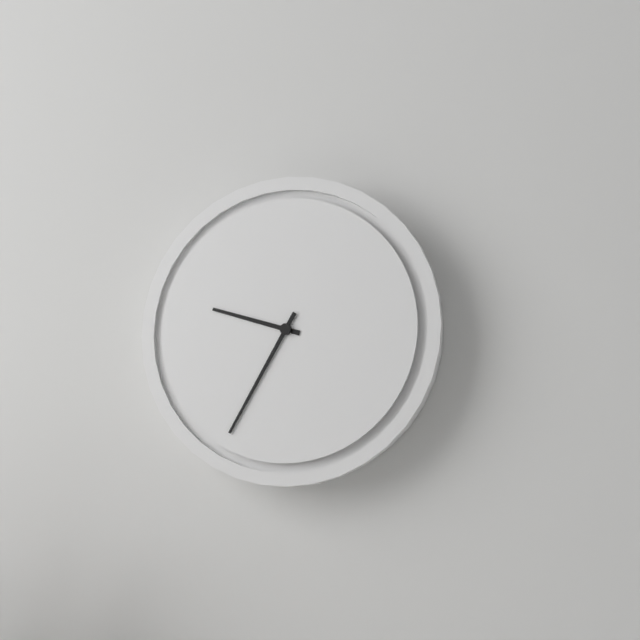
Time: {"hour": 9, "minute": 35}
